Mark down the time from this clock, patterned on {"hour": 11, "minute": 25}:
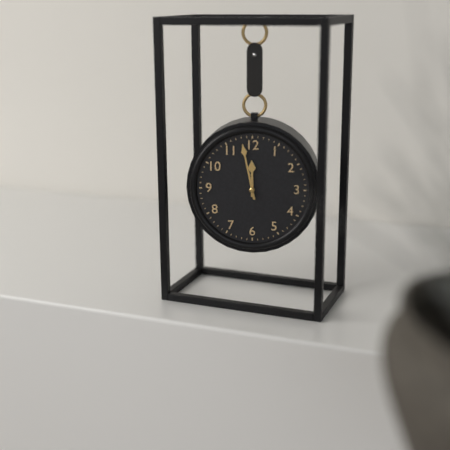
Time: {"hour": 11, "minute": 58}
